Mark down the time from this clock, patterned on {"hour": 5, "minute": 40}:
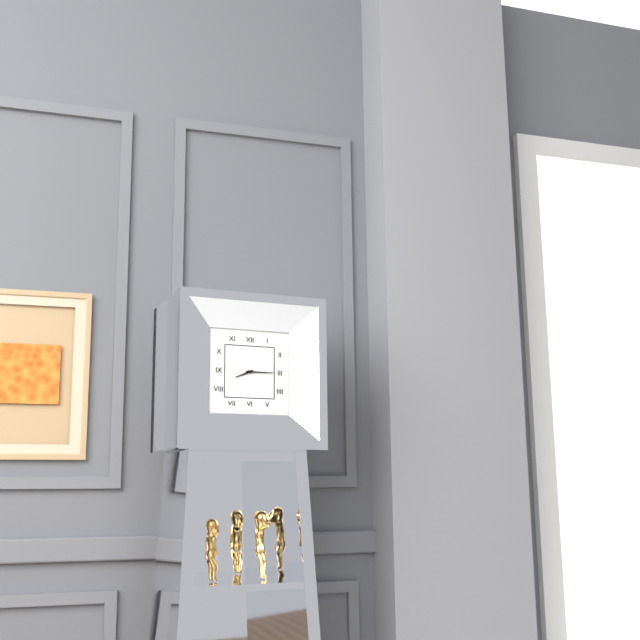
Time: {"hour": 8, "minute": 15}
